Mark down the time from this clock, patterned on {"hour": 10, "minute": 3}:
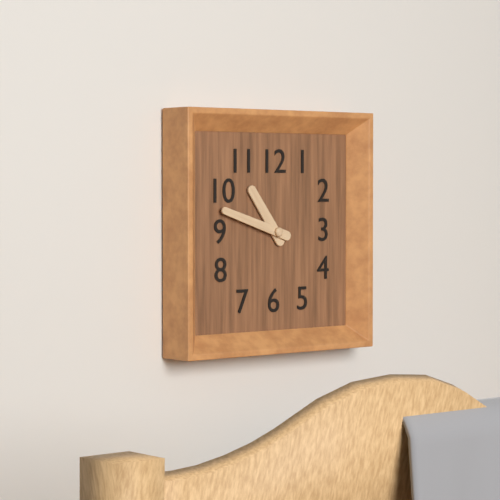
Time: {"hour": 10, "minute": 48}
